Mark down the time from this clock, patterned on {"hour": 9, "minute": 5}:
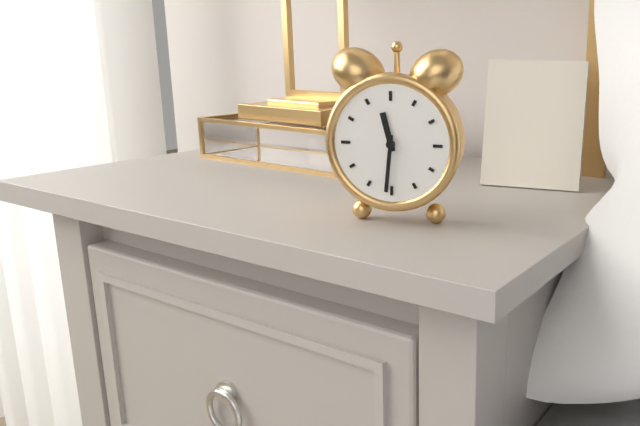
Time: {"hour": 11, "minute": 31}
